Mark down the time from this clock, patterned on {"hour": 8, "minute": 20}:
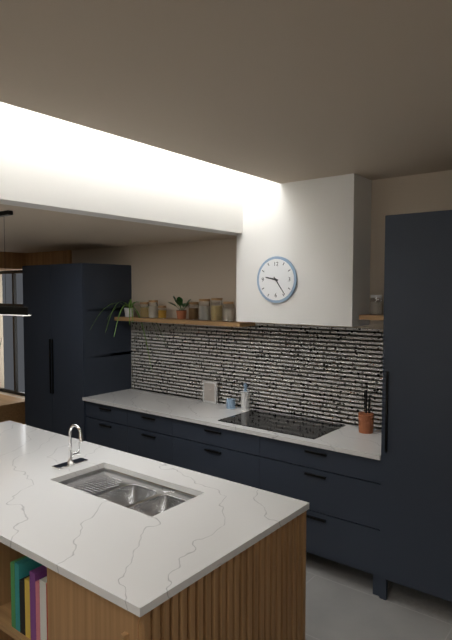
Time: {"hour": 9, "minute": 24}
